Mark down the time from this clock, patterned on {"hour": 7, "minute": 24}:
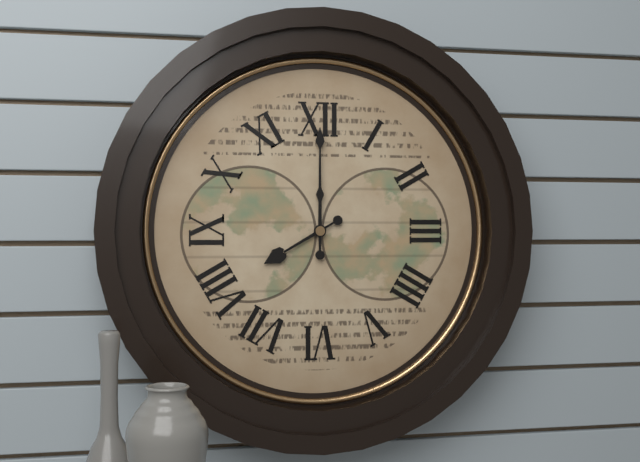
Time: {"hour": 8, "minute": 0}
